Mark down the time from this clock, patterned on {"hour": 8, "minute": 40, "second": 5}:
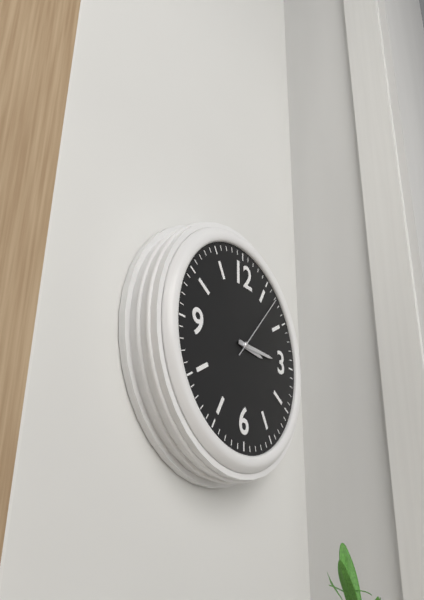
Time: {"hour": 3, "minute": 15, "second": 7}
